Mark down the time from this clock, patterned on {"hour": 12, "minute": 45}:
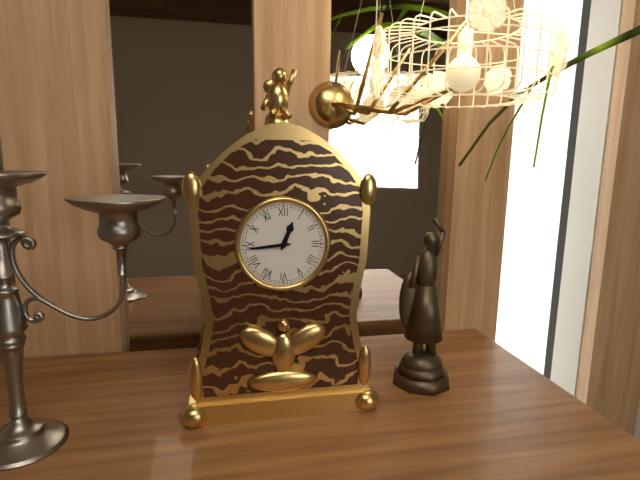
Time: {"hour": 12, "minute": 44}
